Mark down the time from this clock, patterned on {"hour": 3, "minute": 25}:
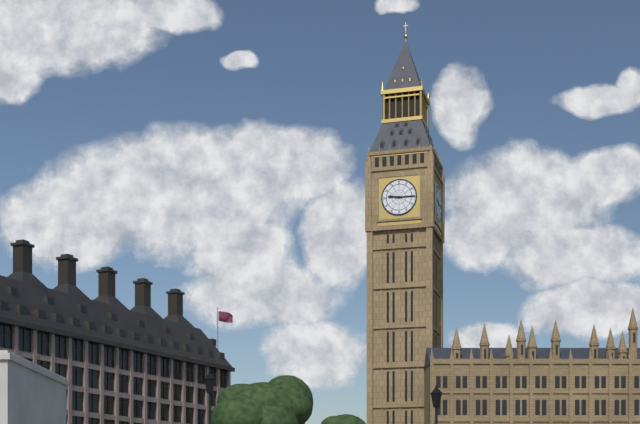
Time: {"hour": 9, "minute": 15}
